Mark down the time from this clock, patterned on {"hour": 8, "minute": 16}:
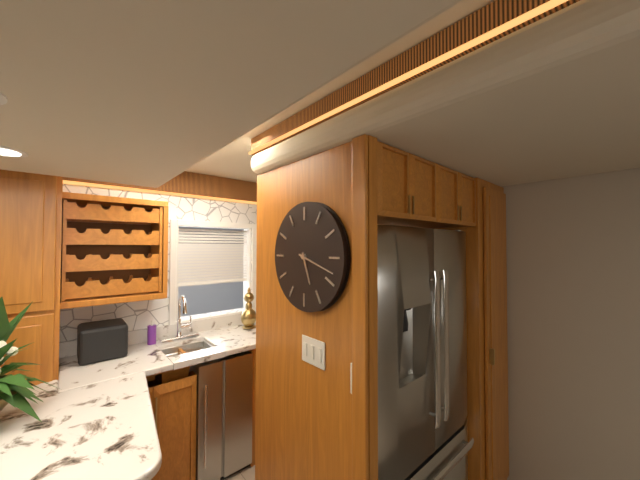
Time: {"hour": 5, "minute": 18}
